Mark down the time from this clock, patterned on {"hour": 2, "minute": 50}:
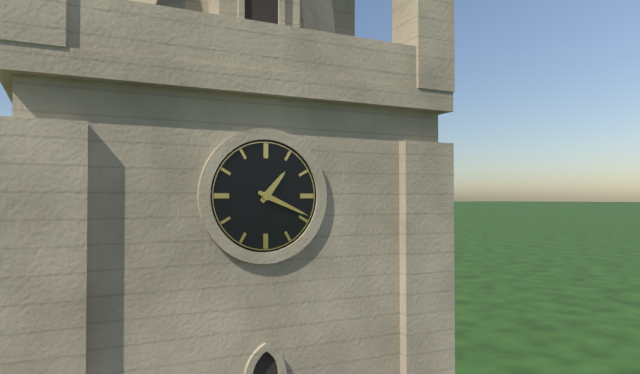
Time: {"hour": 1, "minute": 19}
